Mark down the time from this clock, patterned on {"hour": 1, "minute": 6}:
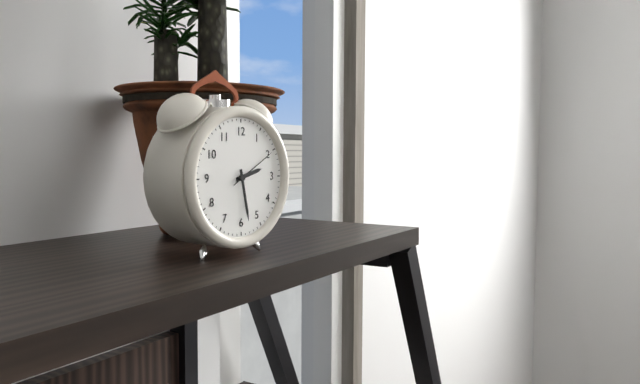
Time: {"hour": 2, "minute": 28}
